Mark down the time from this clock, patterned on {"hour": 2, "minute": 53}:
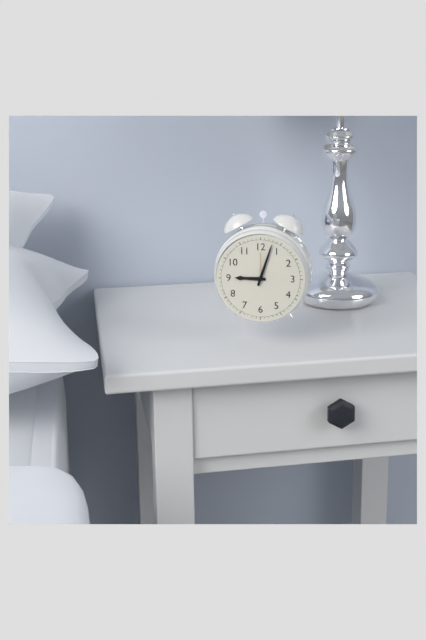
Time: {"hour": 9, "minute": 3}
